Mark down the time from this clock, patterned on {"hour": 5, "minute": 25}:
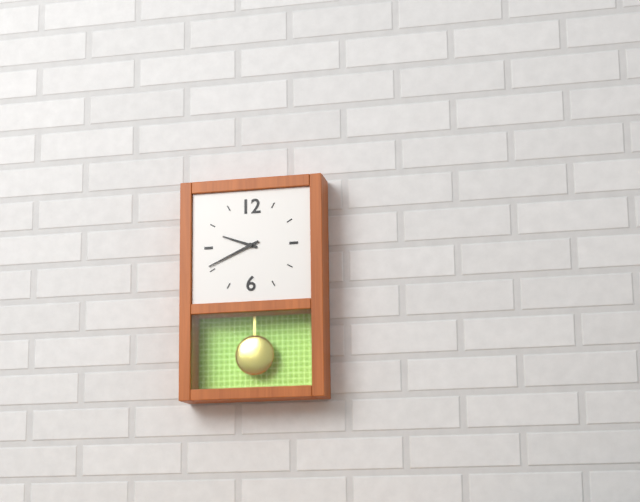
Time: {"hour": 9, "minute": 41}
